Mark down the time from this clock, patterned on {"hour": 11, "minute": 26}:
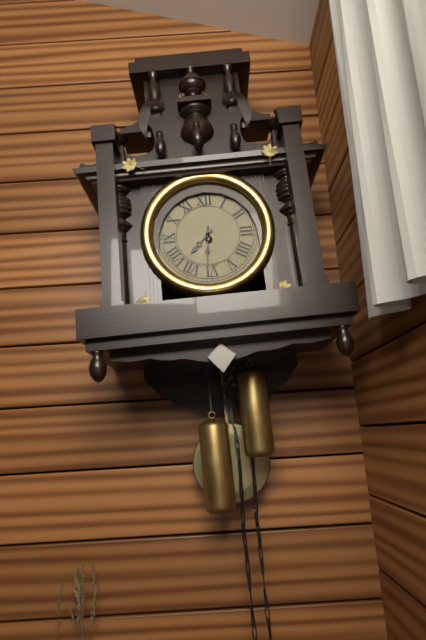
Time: {"hour": 7, "minute": 31}
